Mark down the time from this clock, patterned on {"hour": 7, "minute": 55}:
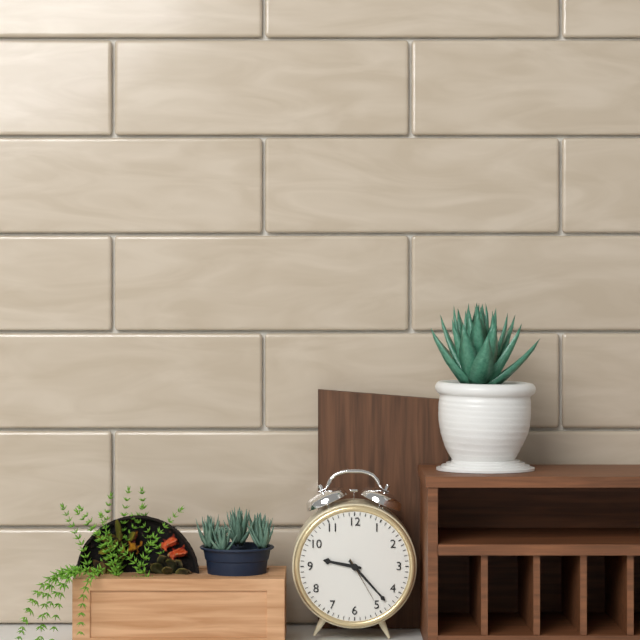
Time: {"hour": 9, "minute": 23}
